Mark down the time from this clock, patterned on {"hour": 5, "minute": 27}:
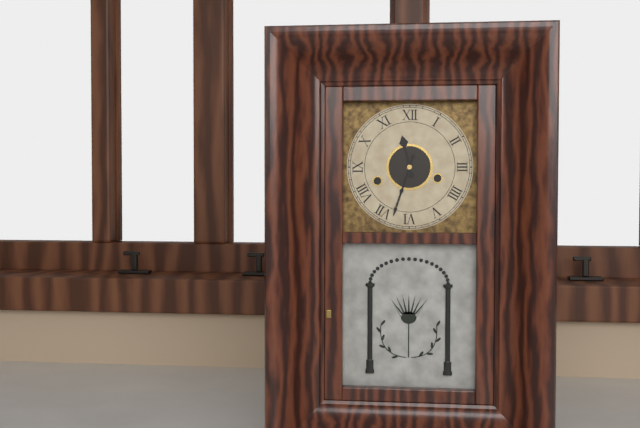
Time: {"hour": 11, "minute": 33}
